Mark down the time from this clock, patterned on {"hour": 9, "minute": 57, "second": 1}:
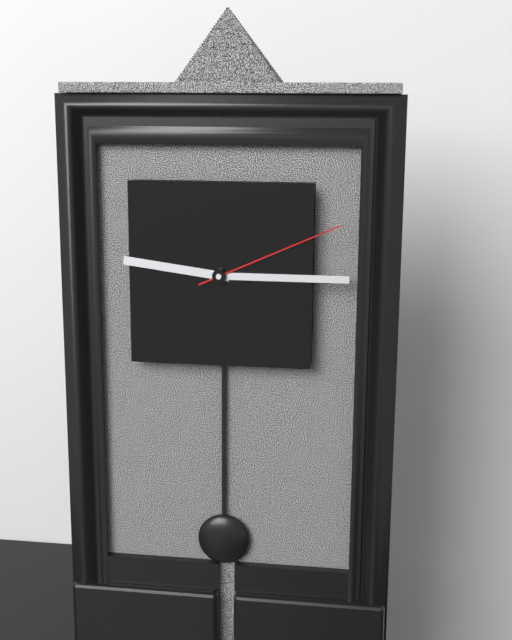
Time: {"hour": 9, "minute": 15, "second": 11}
